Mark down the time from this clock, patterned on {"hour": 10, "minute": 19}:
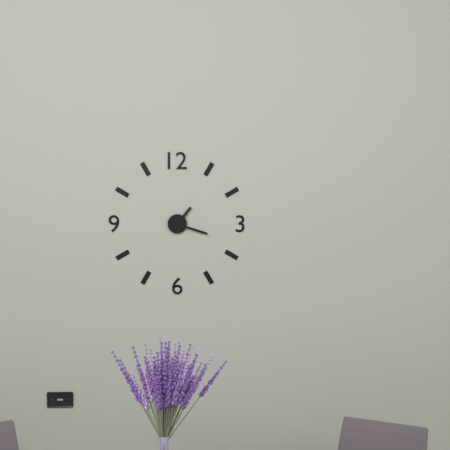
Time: {"hour": 1, "minute": 18}
